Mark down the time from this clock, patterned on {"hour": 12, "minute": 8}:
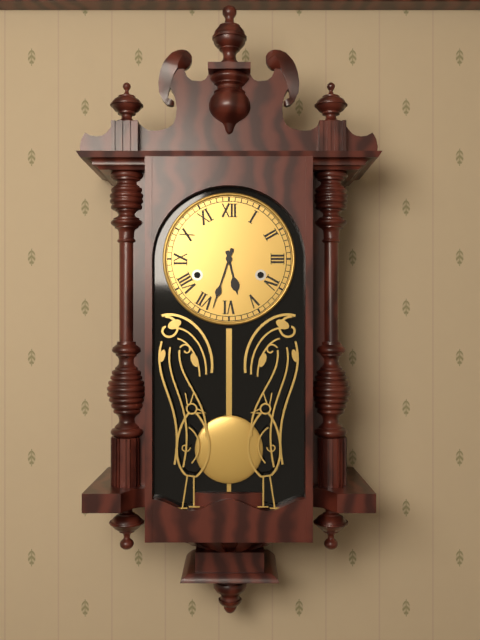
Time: {"hour": 5, "minute": 33}
